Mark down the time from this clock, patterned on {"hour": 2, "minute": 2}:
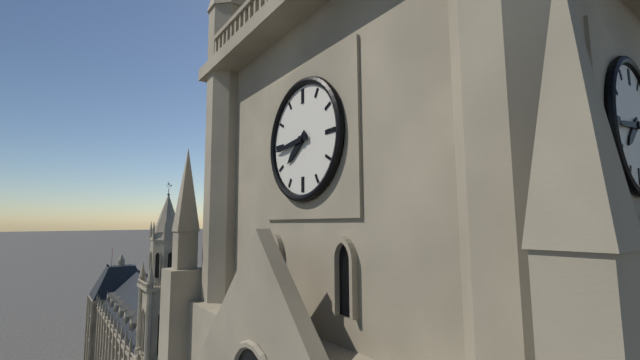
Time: {"hour": 7, "minute": 44}
